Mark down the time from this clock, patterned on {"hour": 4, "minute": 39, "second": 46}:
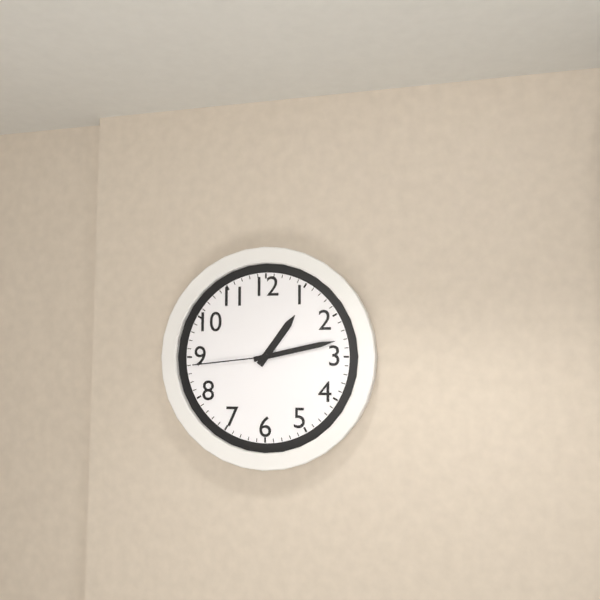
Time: {"hour": 1, "minute": 13, "second": 44}
